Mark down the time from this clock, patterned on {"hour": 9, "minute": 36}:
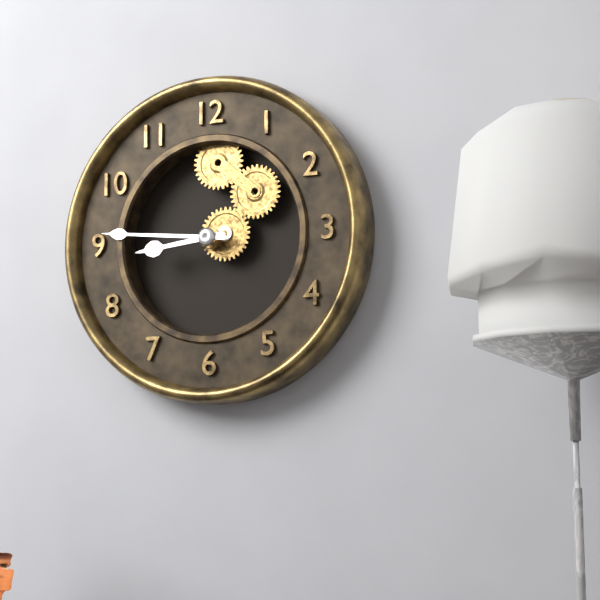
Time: {"hour": 8, "minute": 46}
